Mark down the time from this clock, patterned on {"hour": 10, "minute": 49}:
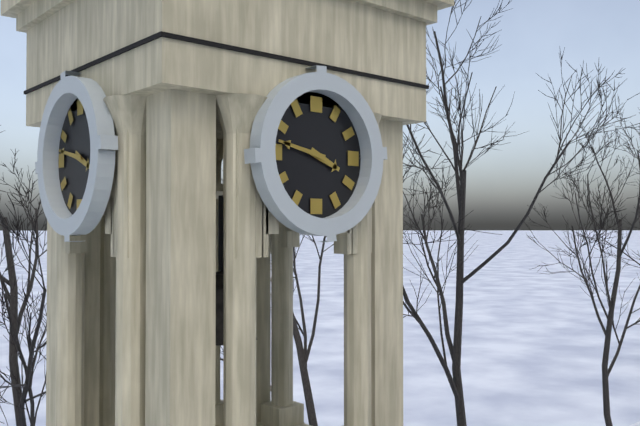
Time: {"hour": 3, "minute": 47}
